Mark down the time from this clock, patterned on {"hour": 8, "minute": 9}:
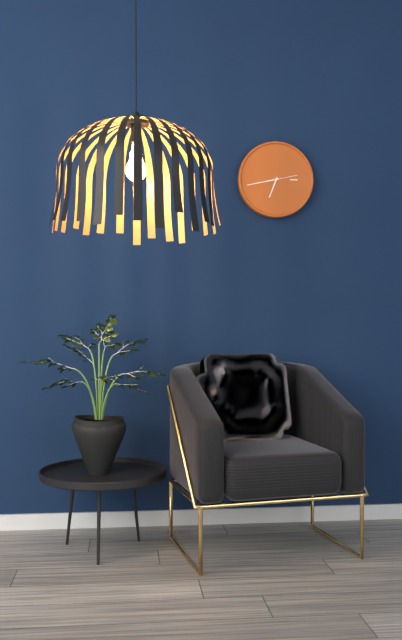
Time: {"hour": 6, "minute": 43}
